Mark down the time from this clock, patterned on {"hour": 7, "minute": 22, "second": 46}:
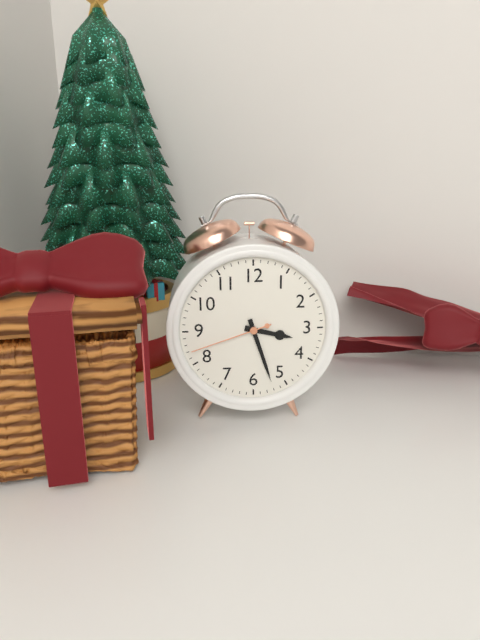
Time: {"hour": 3, "minute": 27, "second": 42}
